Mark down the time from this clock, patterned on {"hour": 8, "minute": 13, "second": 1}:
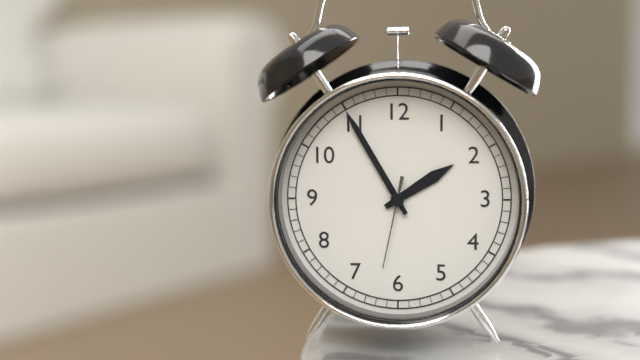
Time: {"hour": 1, "minute": 55, "second": 32}
